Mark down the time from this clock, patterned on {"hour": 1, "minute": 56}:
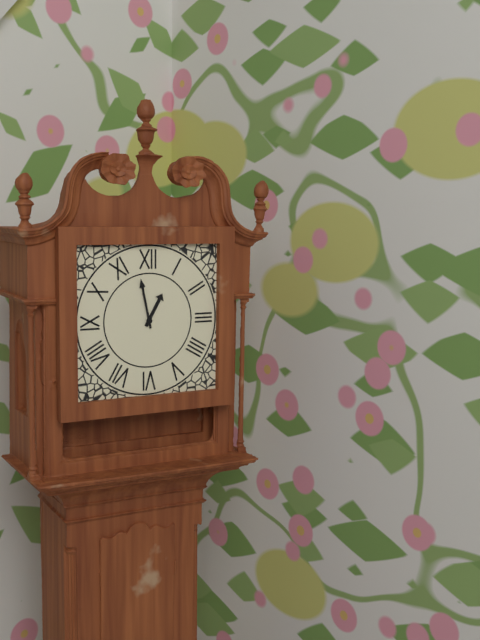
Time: {"hour": 12, "minute": 58}
